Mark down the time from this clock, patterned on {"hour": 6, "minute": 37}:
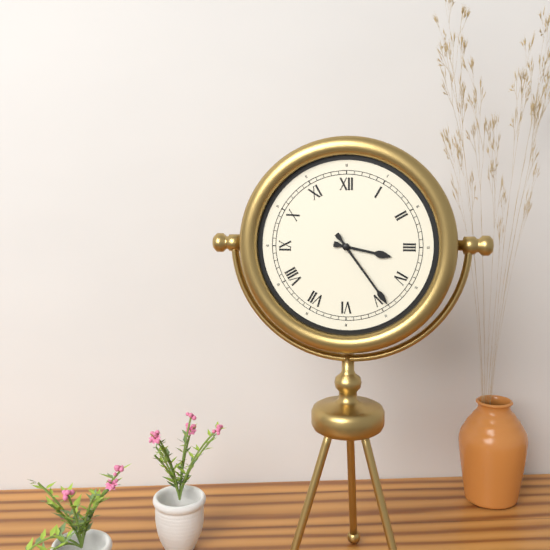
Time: {"hour": 3, "minute": 24}
